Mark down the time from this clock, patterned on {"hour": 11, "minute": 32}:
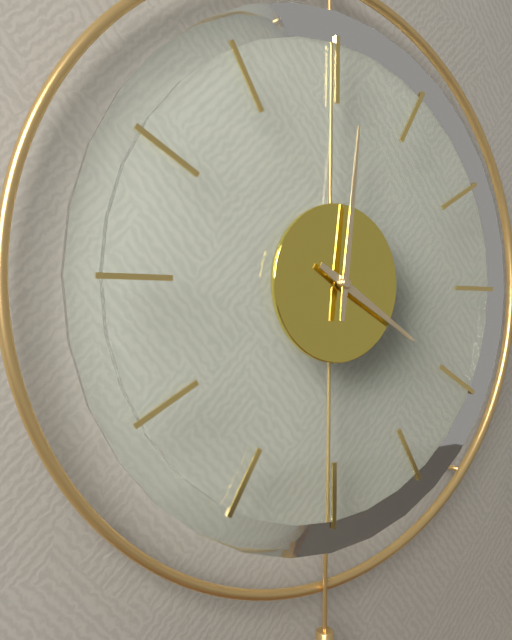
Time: {"hour": 4, "minute": 1}
